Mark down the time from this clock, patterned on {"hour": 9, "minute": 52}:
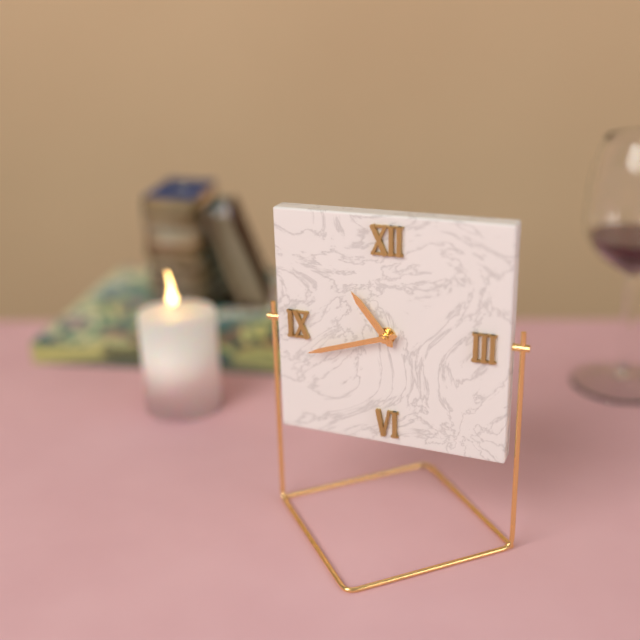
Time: {"hour": 10, "minute": 42}
